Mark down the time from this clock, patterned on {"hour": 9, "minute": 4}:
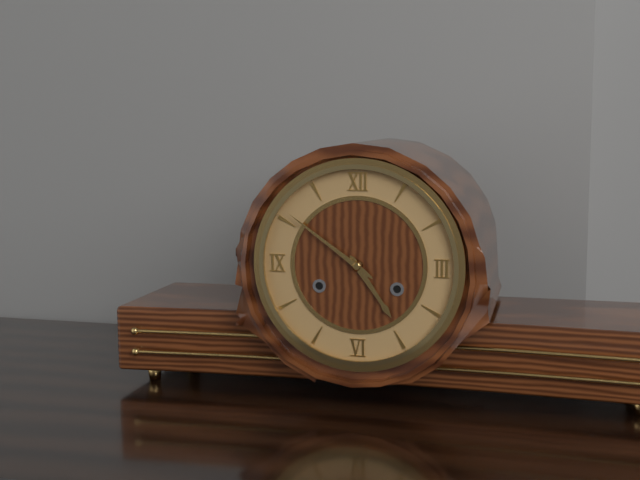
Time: {"hour": 4, "minute": 51}
